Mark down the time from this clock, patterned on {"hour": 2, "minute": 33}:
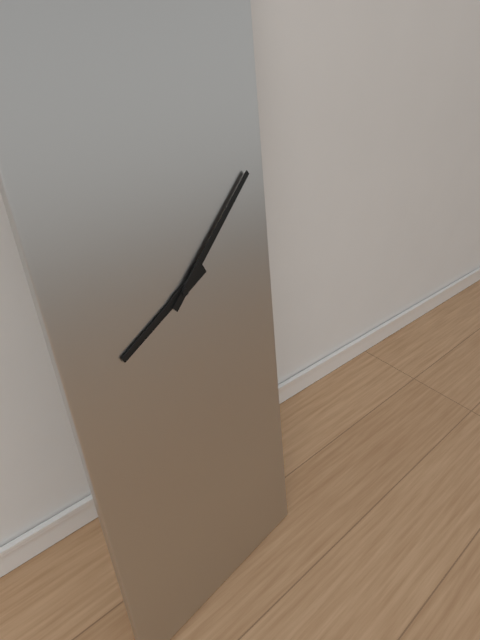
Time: {"hour": 8, "minute": 8}
